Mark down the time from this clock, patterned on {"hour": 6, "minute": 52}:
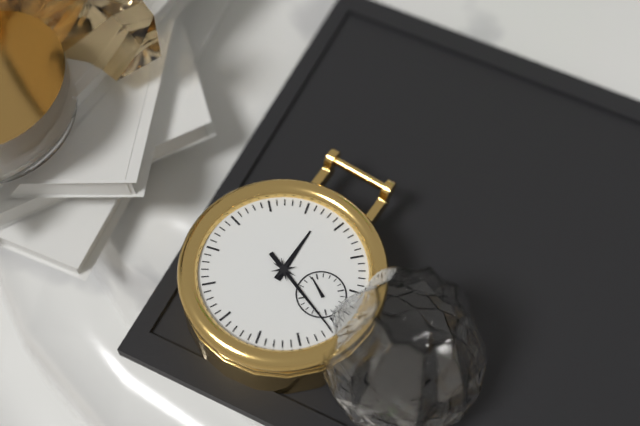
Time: {"hour": 1, "minute": 26}
